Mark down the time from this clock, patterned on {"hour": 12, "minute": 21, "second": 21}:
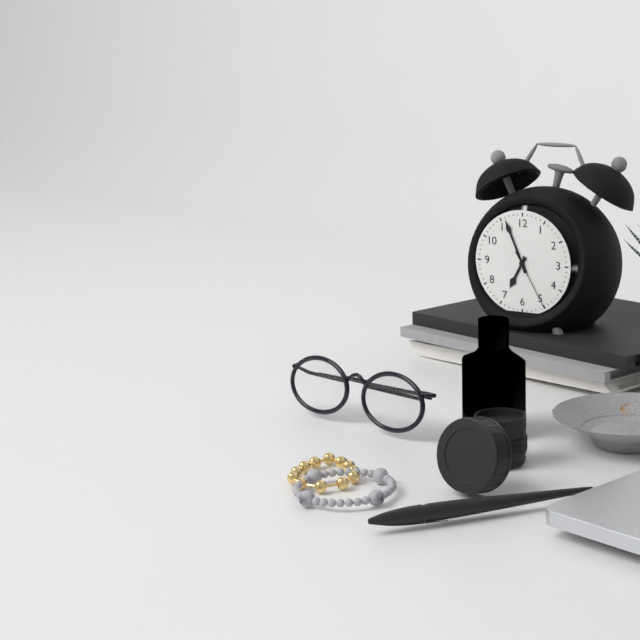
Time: {"hour": 6, "minute": 56, "second": 25}
